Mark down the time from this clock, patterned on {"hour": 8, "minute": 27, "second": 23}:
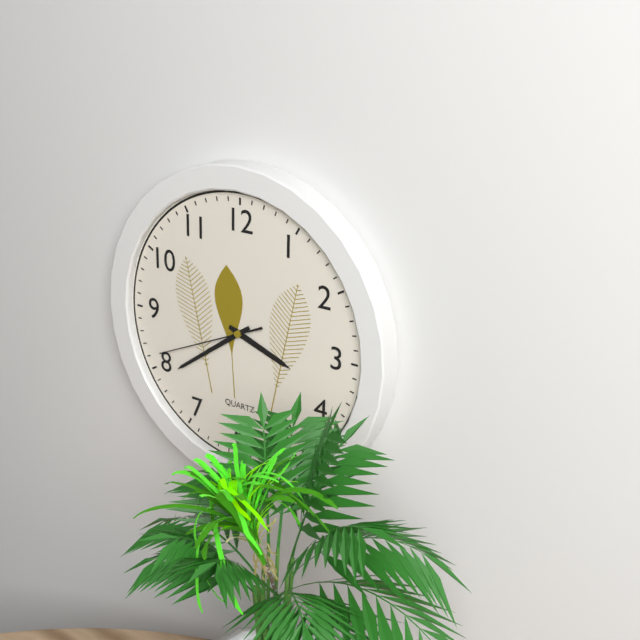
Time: {"hour": 3, "minute": 39, "second": 41}
